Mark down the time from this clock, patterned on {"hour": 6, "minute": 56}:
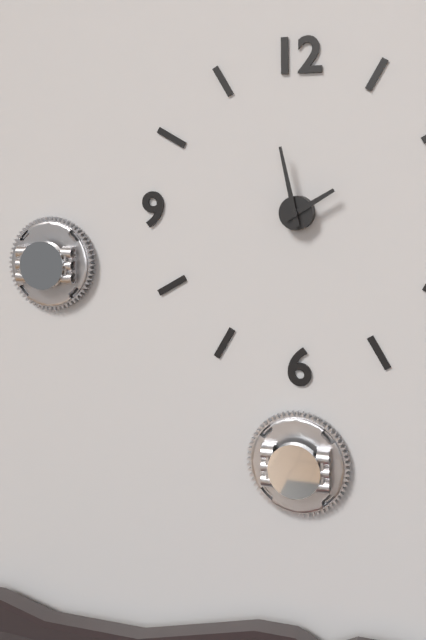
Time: {"hour": 1, "minute": 58}
